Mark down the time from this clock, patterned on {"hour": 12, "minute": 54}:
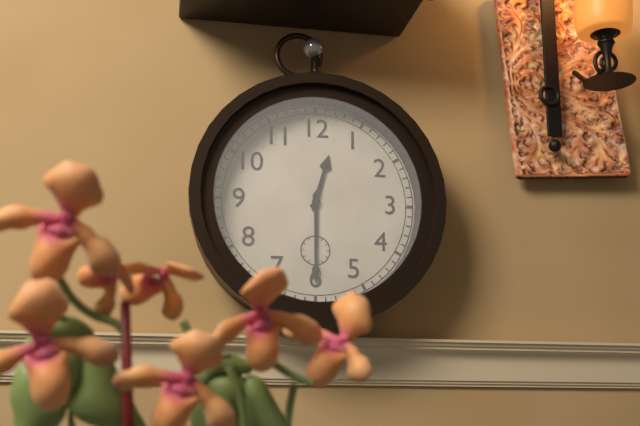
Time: {"hour": 12, "minute": 30}
